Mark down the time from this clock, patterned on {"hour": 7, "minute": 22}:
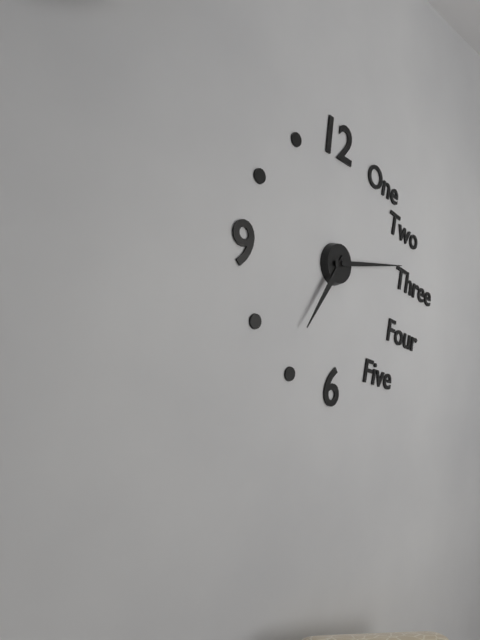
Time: {"hour": 7, "minute": 14}
